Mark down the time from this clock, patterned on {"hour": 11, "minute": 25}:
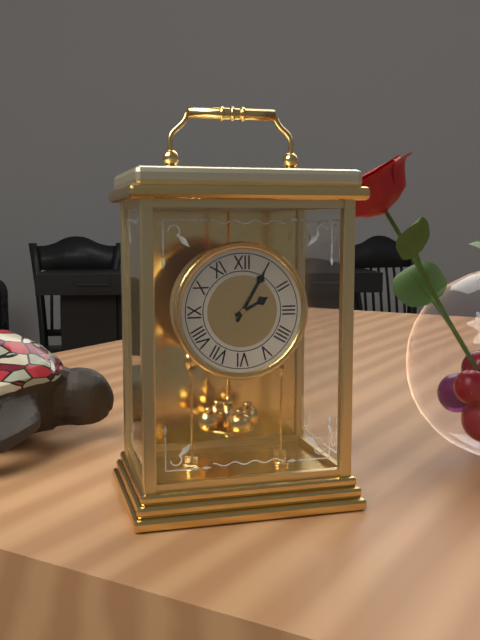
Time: {"hour": 2, "minute": 5}
